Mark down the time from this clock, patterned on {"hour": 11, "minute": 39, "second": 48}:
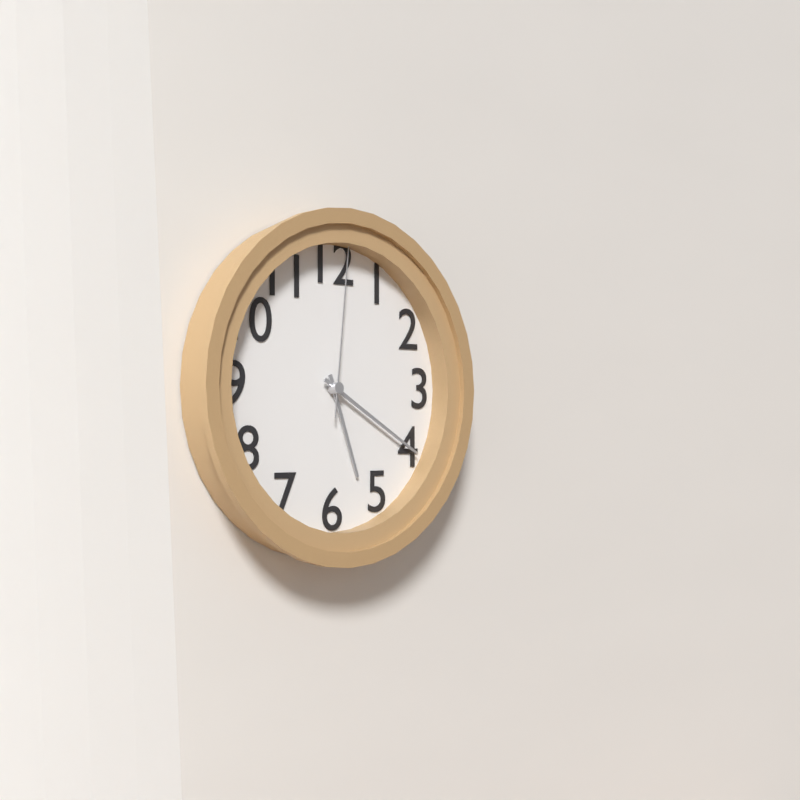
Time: {"hour": 5, "minute": 20, "second": 1}
